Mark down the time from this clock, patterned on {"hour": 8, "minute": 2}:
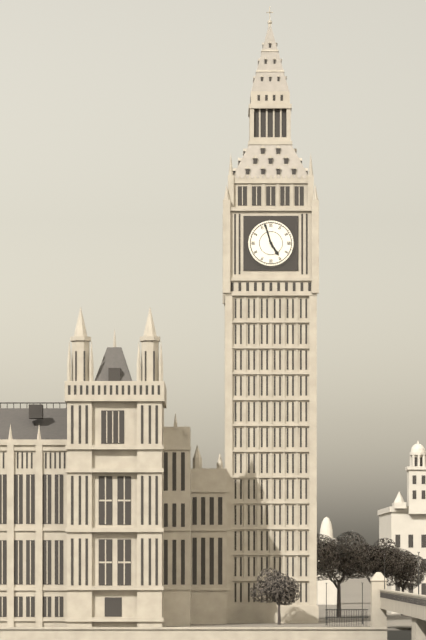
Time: {"hour": 4, "minute": 57}
